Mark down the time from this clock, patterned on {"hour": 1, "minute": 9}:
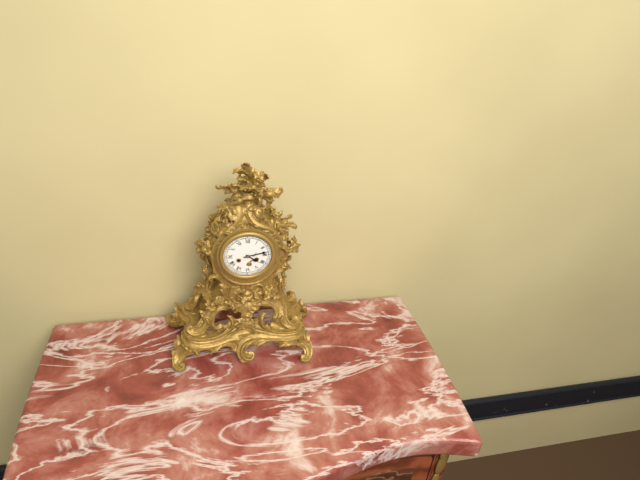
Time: {"hour": 4, "minute": 13}
